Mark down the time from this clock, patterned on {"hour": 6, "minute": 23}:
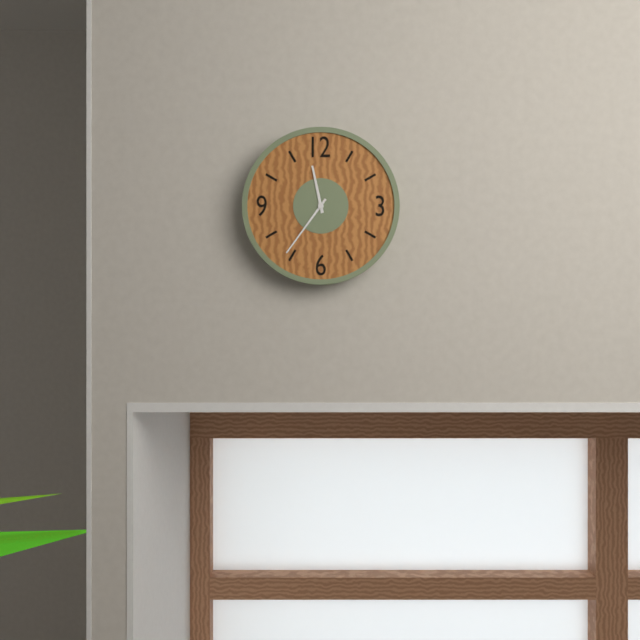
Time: {"hour": 11, "minute": 36}
